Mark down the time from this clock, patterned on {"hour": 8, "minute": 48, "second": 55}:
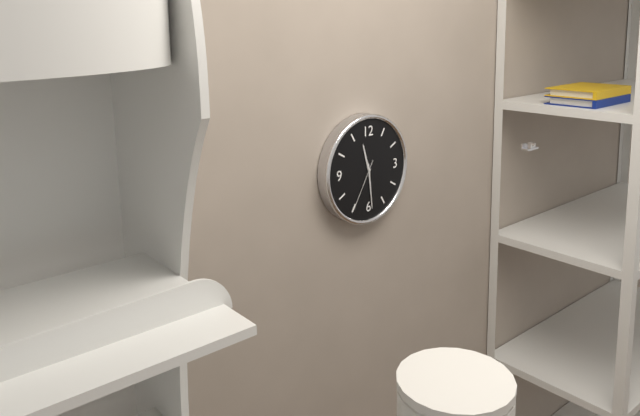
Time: {"hour": 11, "minute": 29, "second": 35}
